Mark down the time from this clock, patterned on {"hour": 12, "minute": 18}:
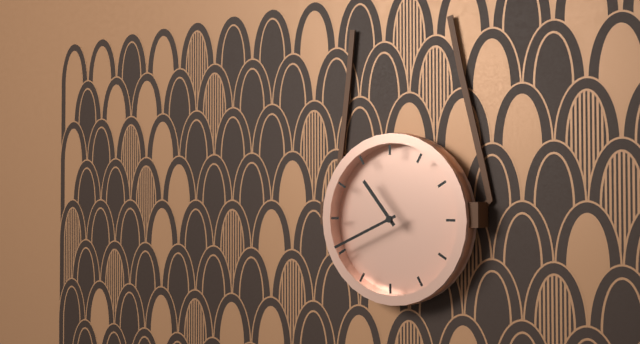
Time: {"hour": 10, "minute": 41}
